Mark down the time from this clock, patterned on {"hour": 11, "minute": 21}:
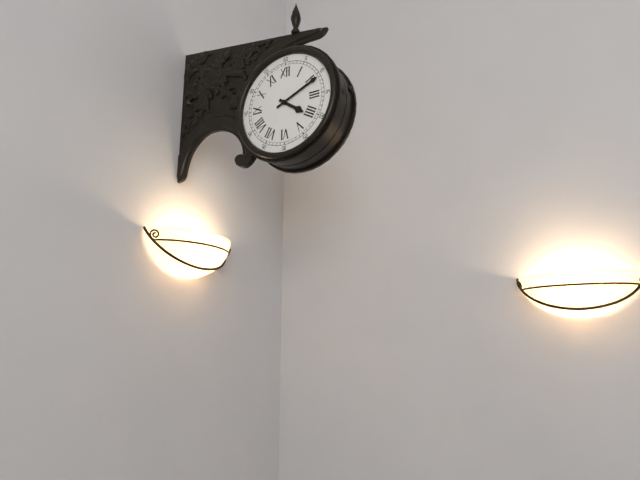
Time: {"hour": 4, "minute": 11}
